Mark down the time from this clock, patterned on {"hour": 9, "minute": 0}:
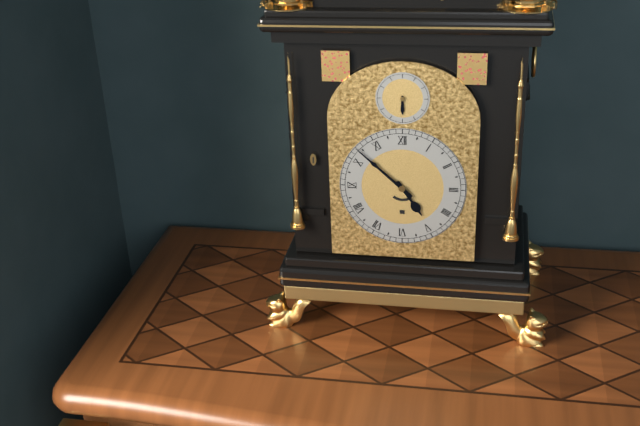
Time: {"hour": 4, "minute": 52}
